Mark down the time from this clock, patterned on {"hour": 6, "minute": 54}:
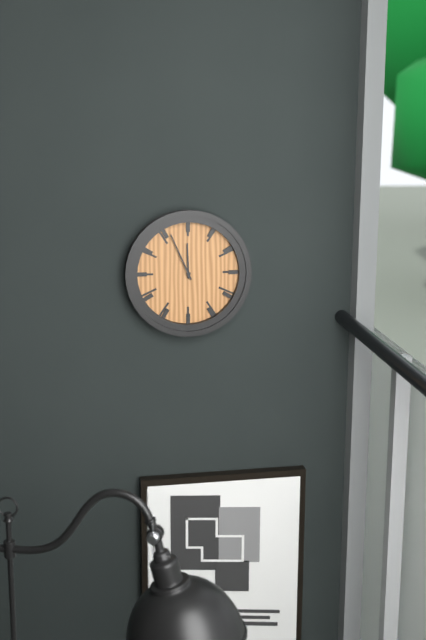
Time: {"hour": 11, "minute": 56}
